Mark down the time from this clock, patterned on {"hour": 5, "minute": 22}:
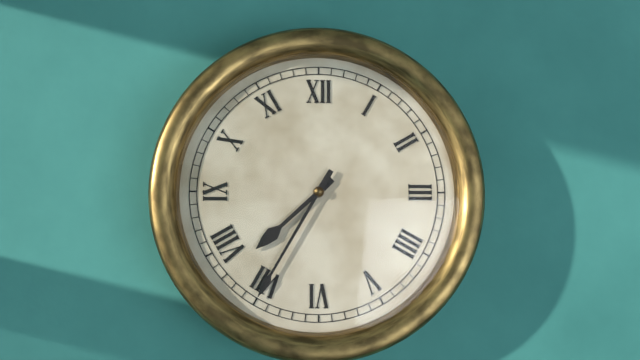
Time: {"hour": 7, "minute": 35}
